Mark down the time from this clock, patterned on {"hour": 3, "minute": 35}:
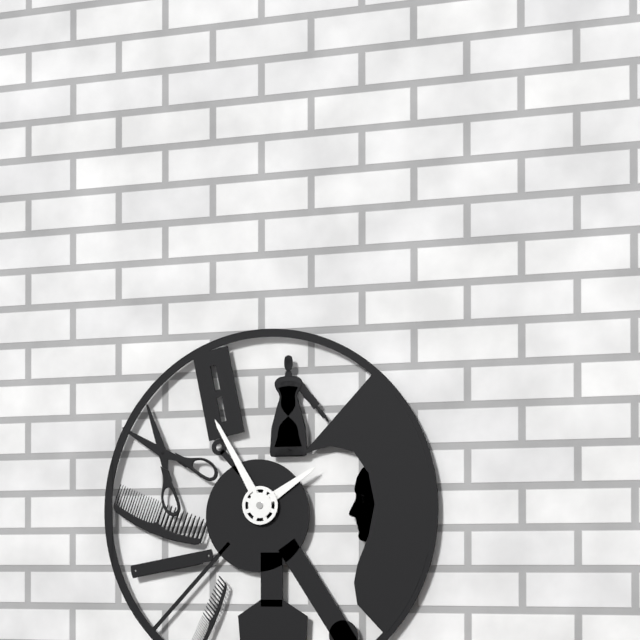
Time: {"hour": 1, "minute": 55}
